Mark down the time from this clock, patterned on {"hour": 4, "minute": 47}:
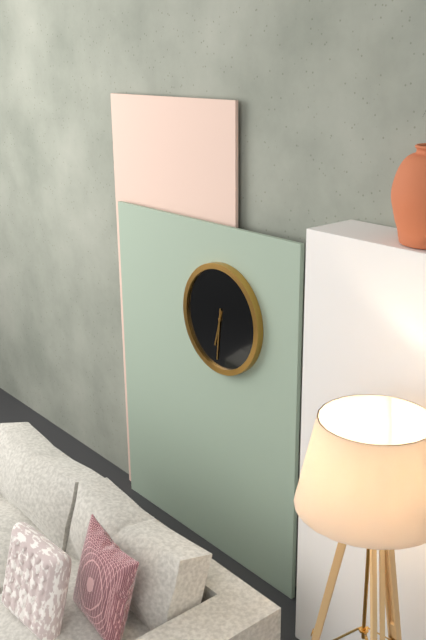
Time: {"hour": 6, "minute": 31}
